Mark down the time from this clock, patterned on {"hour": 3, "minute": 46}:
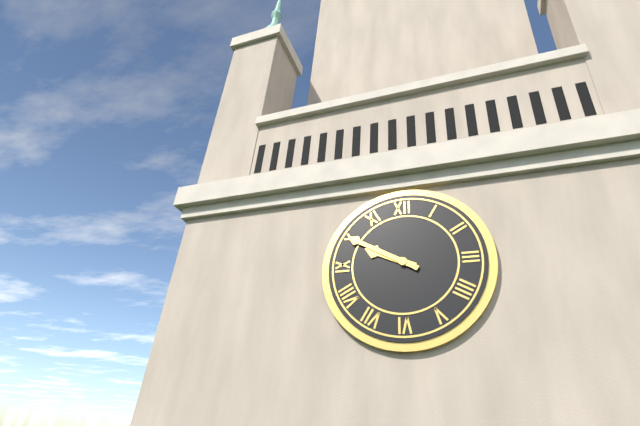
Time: {"hour": 9, "minute": 50}
